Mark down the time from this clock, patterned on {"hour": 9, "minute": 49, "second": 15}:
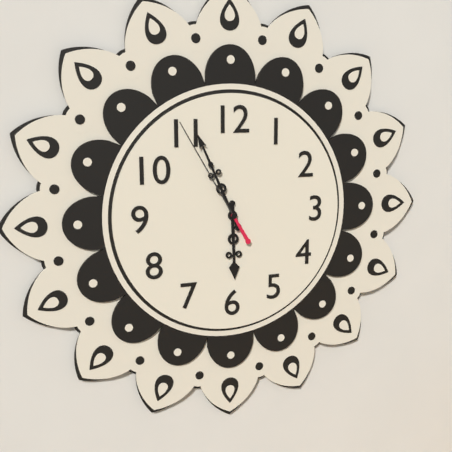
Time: {"hour": 5, "minute": 56, "second": 55}
